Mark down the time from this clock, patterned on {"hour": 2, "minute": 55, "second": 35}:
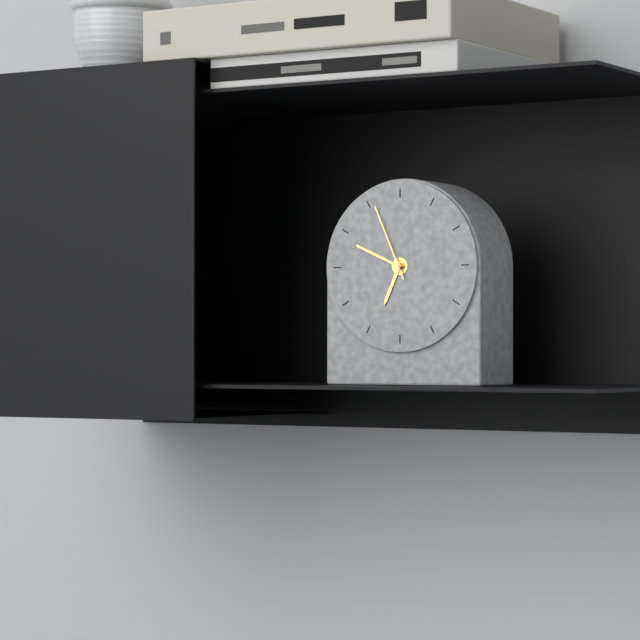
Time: {"hour": 6, "minute": 49, "second": 56}
